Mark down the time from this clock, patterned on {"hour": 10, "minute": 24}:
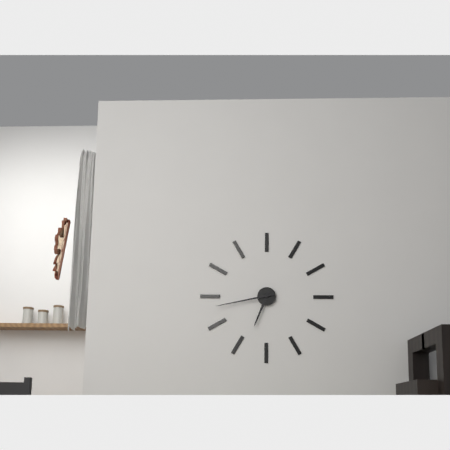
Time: {"hour": 6, "minute": 43}
